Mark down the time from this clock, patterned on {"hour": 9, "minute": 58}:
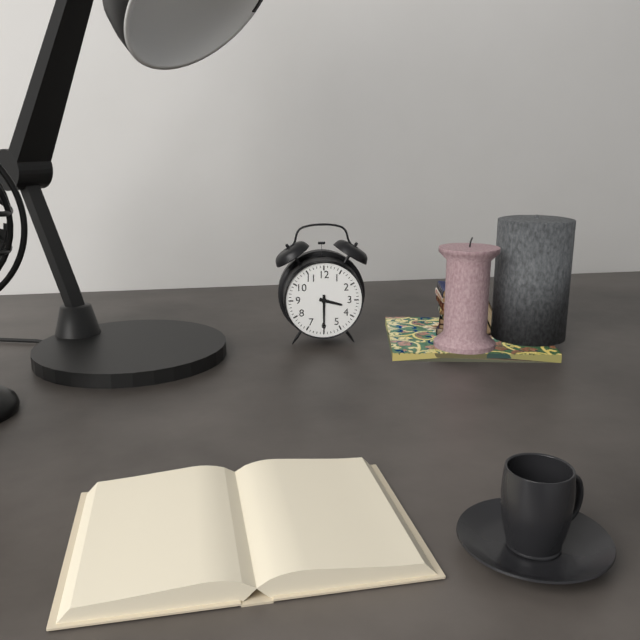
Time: {"hour": 3, "minute": 30}
